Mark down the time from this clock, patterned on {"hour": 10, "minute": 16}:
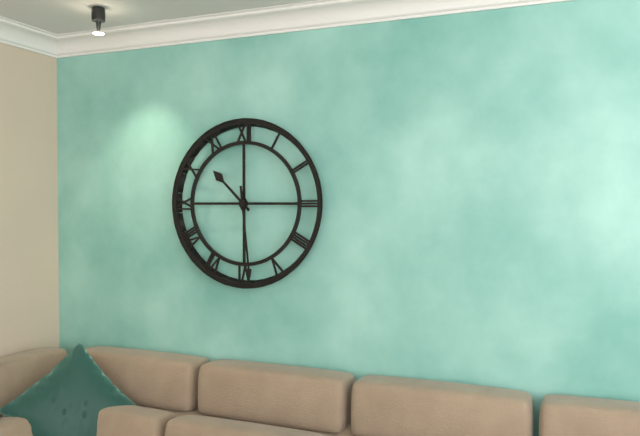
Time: {"hour": 10, "minute": 29}
